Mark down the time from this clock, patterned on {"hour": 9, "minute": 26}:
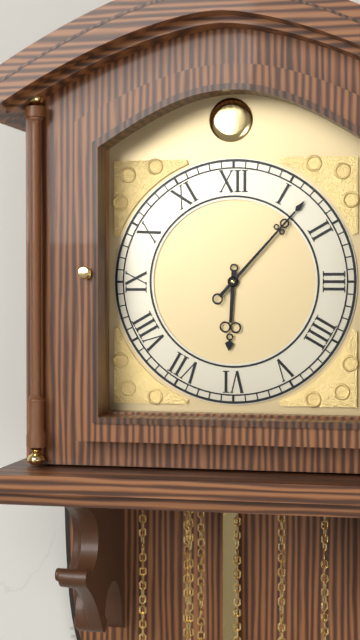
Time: {"hour": 6, "minute": 7}
